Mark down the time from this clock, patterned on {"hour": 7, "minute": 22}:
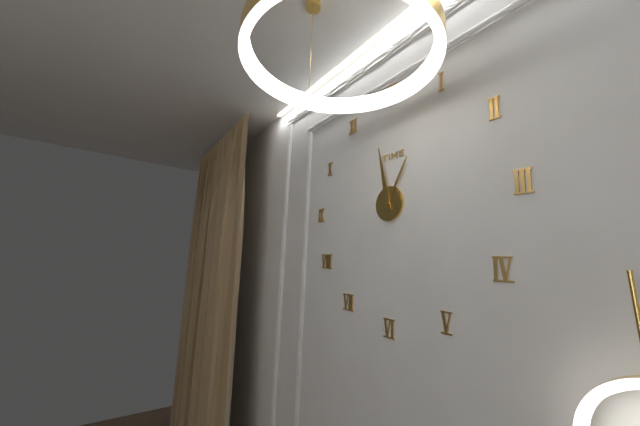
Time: {"hour": 12, "minute": 58}
